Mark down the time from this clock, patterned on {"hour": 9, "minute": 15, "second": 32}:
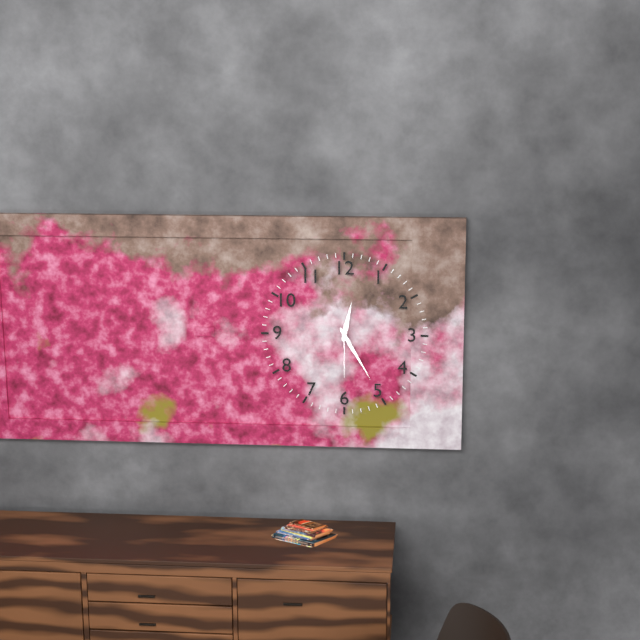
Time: {"hour": 12, "minute": 25, "second": 30}
